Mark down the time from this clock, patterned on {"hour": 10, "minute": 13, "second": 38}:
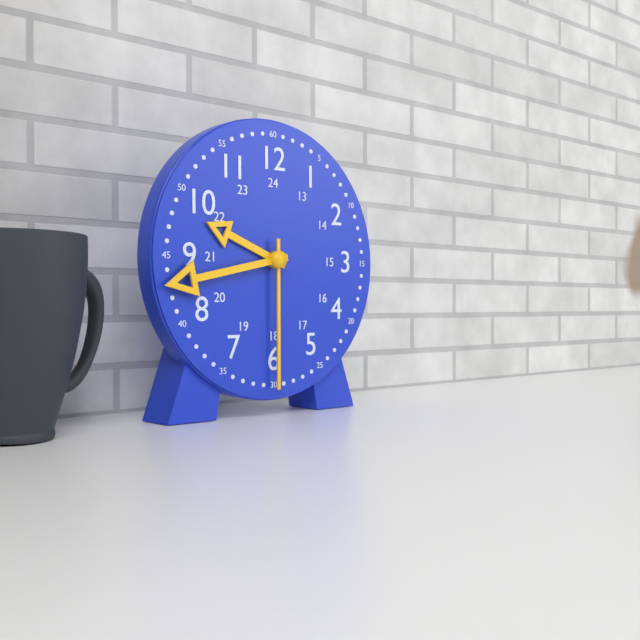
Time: {"hour": 9, "minute": 43, "second": 30}
